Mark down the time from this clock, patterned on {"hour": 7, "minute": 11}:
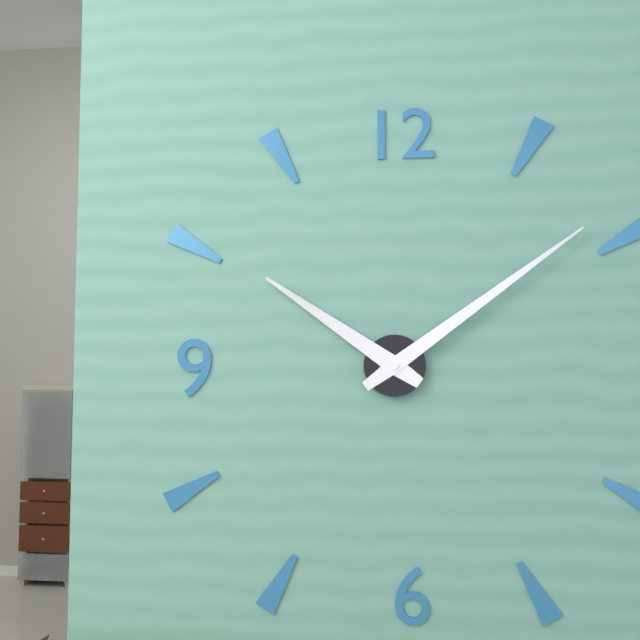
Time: {"hour": 10, "minute": 9}
